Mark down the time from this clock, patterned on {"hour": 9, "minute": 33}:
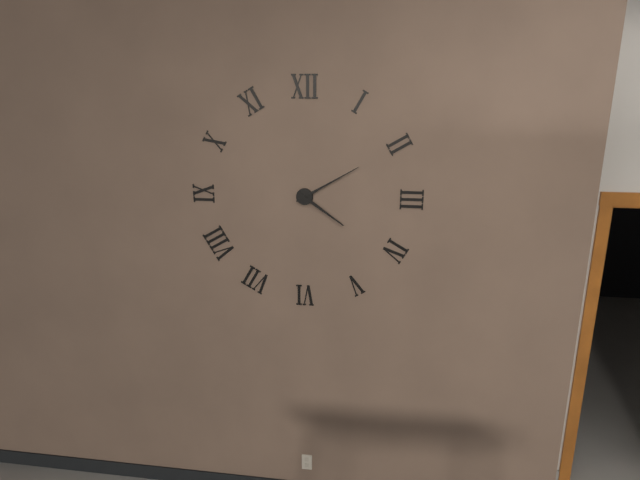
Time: {"hour": 4, "minute": 10}
